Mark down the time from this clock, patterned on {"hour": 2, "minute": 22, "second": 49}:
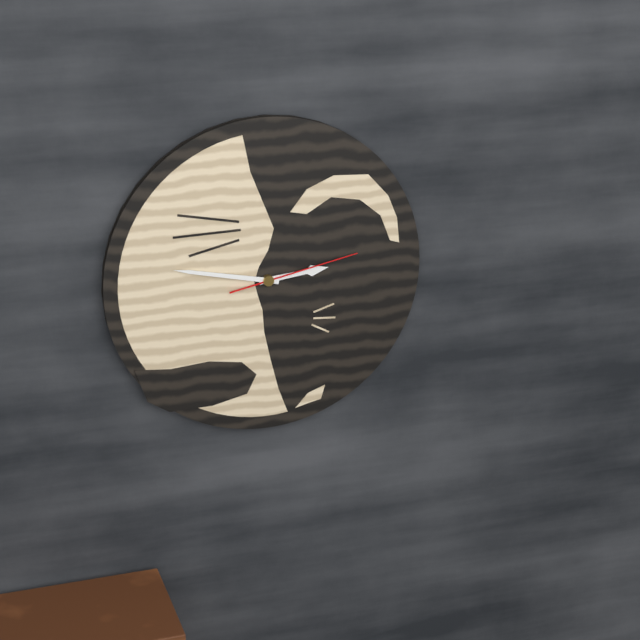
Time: {"hour": 2, "minute": 47, "second": 13}
